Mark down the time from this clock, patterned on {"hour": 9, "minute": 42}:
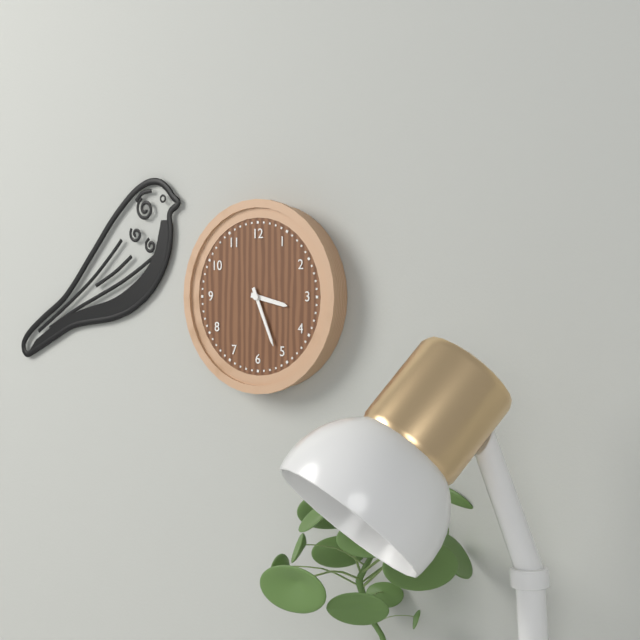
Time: {"hour": 3, "minute": 26}
